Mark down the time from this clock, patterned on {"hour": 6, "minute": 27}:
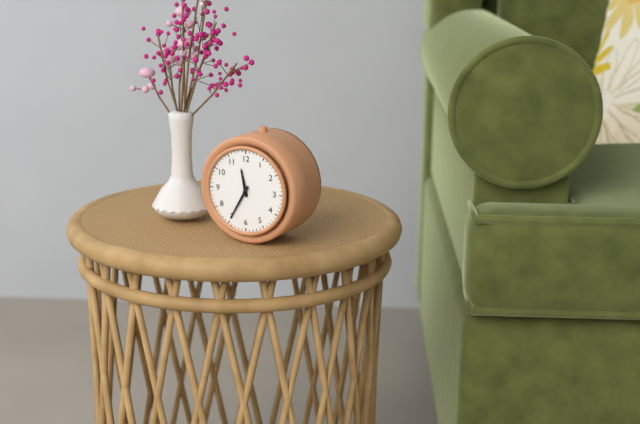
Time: {"hour": 11, "minute": 35}
